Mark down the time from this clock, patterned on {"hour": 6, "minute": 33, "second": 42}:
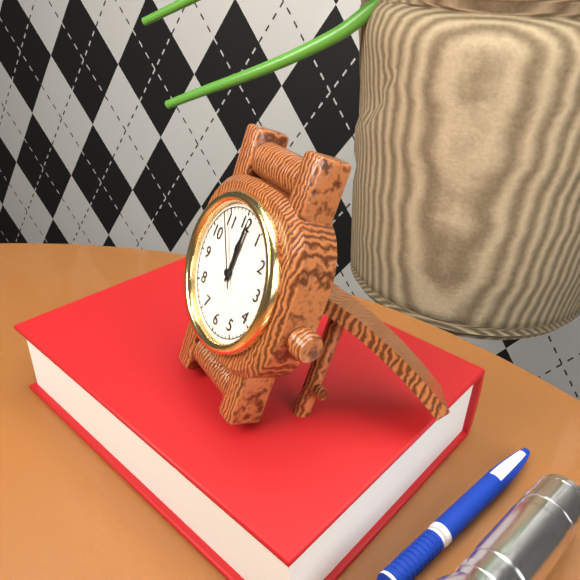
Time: {"hour": 12, "minute": 1, "second": 54}
